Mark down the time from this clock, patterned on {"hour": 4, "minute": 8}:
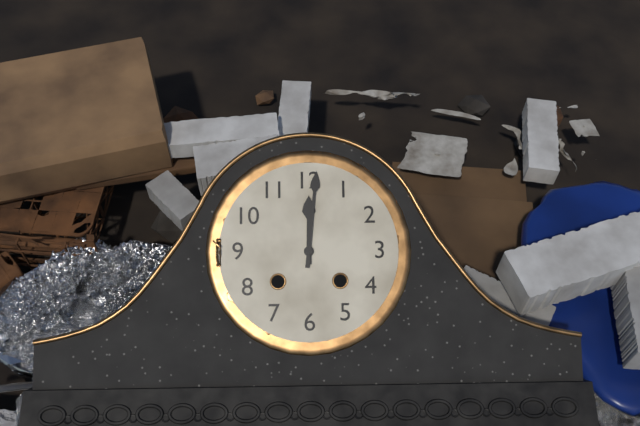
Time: {"hour": 12, "minute": 1}
